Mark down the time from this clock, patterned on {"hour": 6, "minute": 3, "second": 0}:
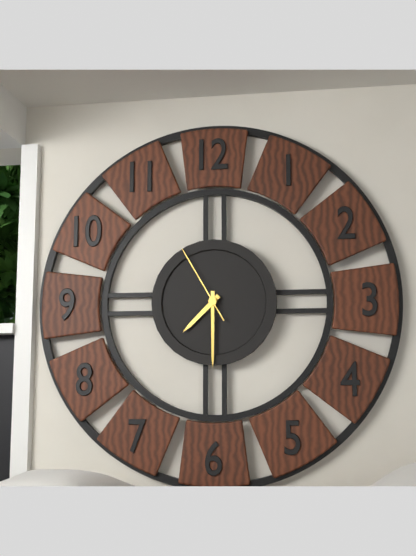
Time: {"hour": 7, "minute": 30, "second": 55}
